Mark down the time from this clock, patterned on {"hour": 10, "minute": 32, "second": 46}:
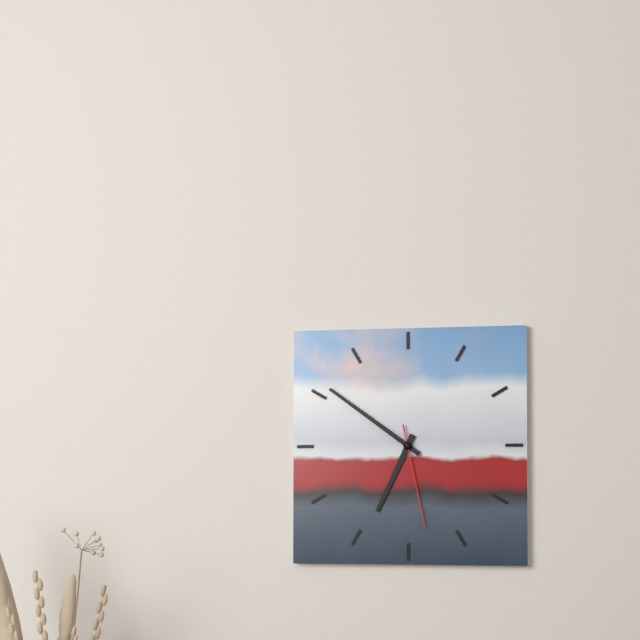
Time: {"hour": 6, "minute": 51, "second": 28}
